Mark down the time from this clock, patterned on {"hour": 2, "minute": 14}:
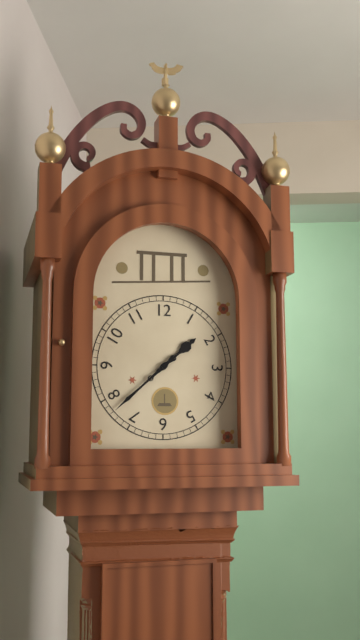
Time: {"hour": 1, "minute": 38}
